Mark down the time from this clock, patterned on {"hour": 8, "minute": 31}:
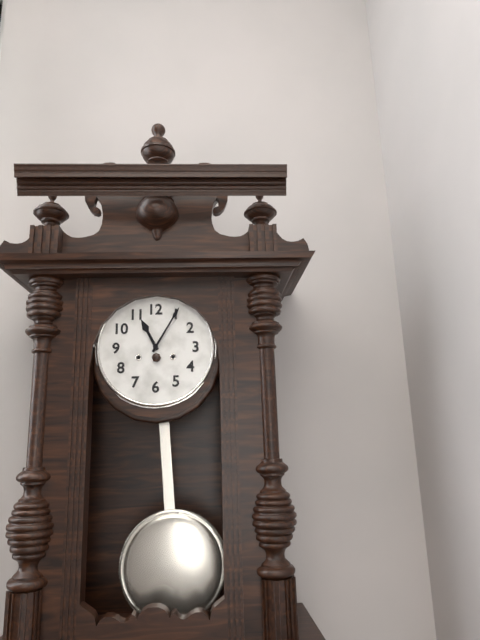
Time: {"hour": 11, "minute": 5}
